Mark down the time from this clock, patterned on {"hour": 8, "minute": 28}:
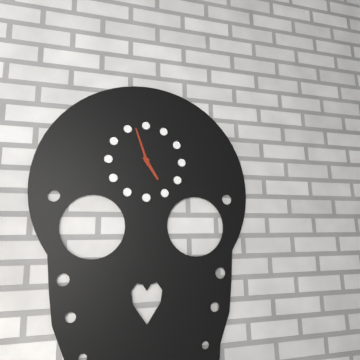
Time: {"hour": 4, "minute": 57}
